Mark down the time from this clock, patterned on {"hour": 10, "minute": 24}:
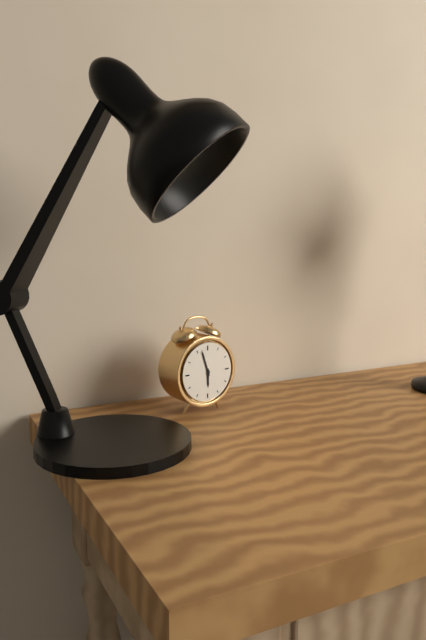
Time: {"hour": 5, "minute": 57}
